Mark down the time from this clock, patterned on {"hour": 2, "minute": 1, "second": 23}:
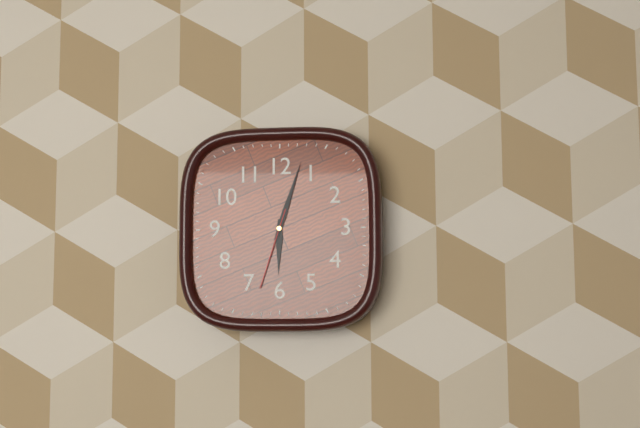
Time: {"hour": 6, "minute": 3, "second": 33}
